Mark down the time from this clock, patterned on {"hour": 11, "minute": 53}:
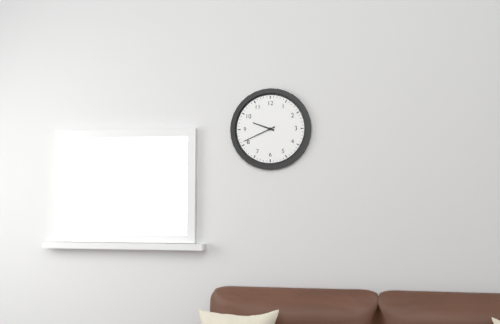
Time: {"hour": 9, "minute": 41}
